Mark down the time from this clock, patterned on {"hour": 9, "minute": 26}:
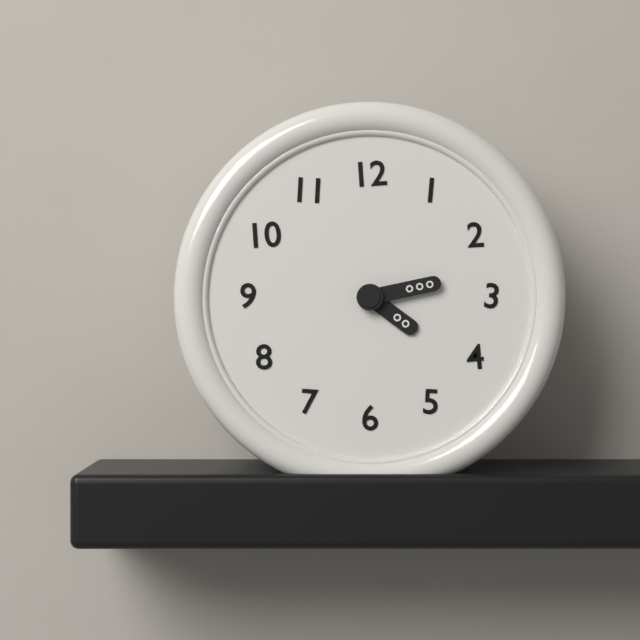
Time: {"hour": 4, "minute": 13}
